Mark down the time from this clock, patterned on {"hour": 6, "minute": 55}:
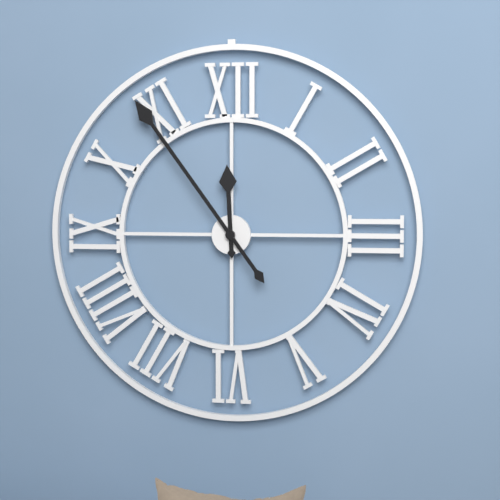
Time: {"hour": 11, "minute": 54}
